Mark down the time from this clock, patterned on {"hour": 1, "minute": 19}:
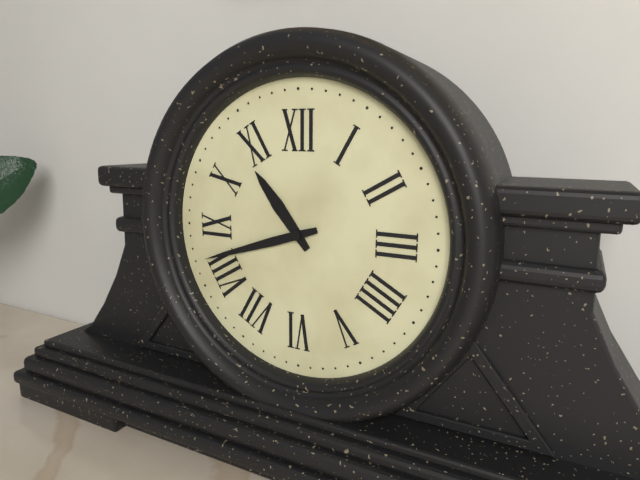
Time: {"hour": 10, "minute": 42}
